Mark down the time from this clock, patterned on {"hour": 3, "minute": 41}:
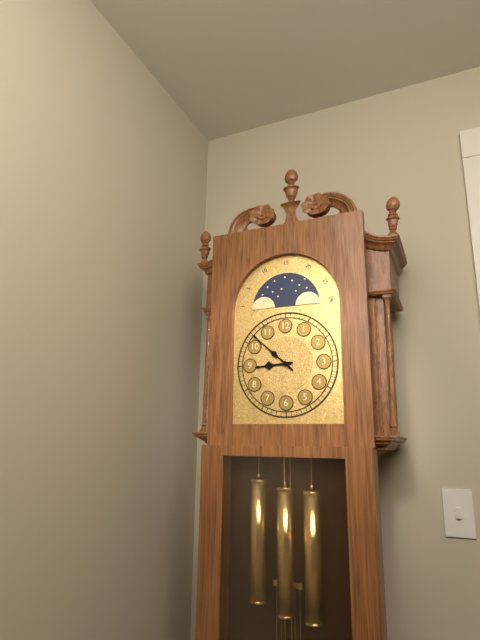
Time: {"hour": 8, "minute": 52}
